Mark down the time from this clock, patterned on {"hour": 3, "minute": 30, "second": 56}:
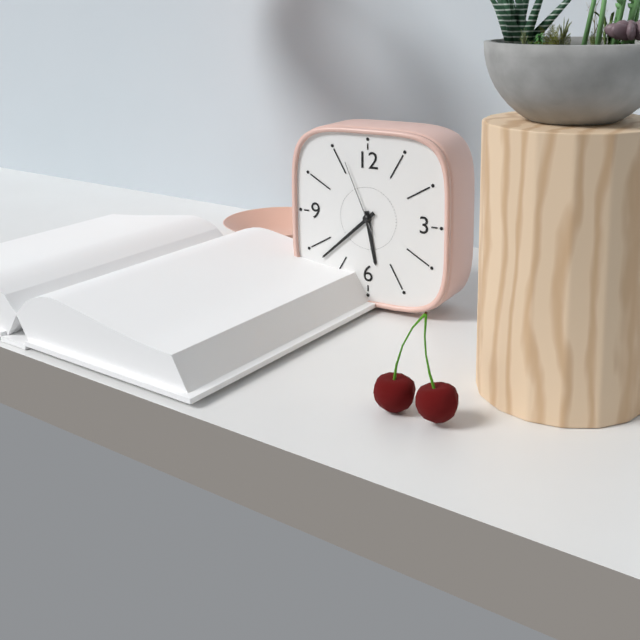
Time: {"hour": 5, "minute": 38, "second": 56}
